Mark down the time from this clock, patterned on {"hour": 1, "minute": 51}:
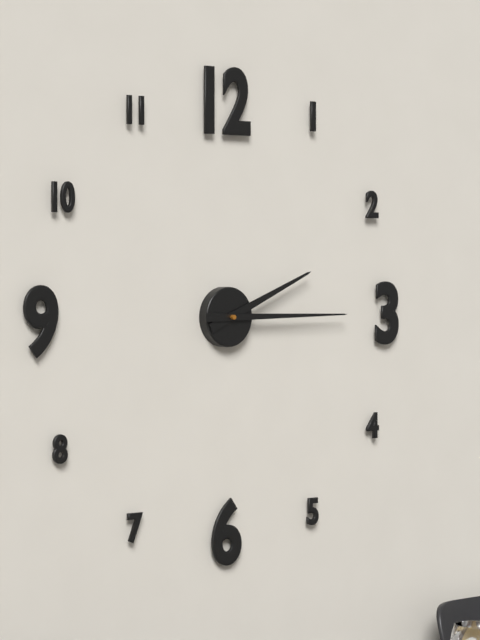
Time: {"hour": 2, "minute": 15}
